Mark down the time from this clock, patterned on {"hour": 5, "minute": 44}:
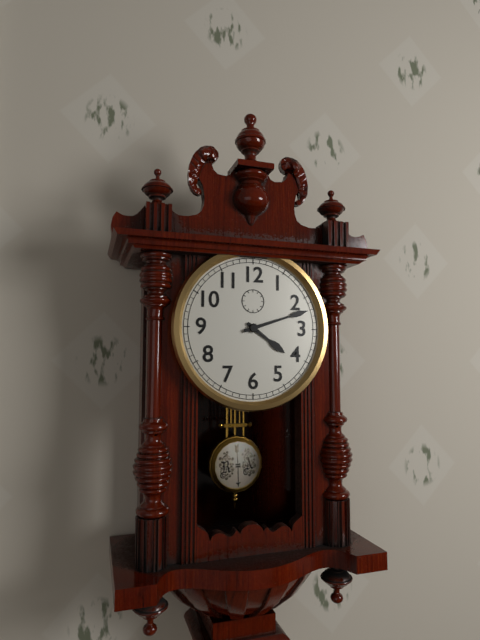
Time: {"hour": 4, "minute": 12}
